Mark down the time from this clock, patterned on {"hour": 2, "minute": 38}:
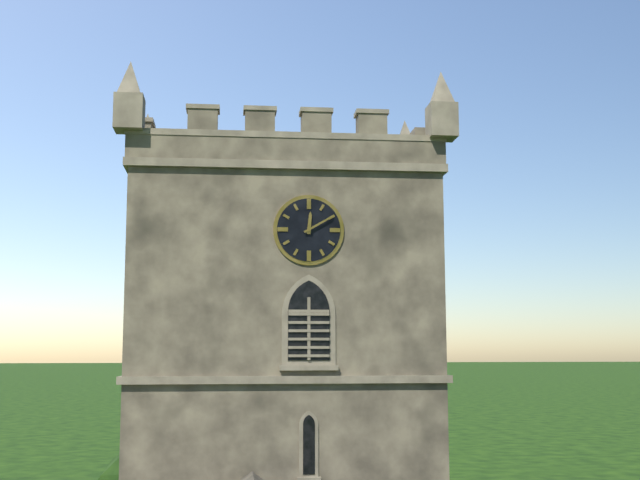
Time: {"hour": 12, "minute": 10}
